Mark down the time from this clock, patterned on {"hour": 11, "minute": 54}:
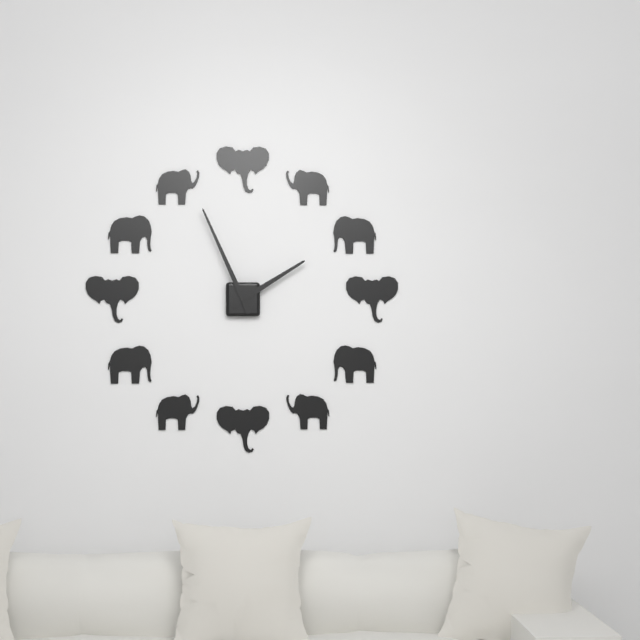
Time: {"hour": 1, "minute": 56}
